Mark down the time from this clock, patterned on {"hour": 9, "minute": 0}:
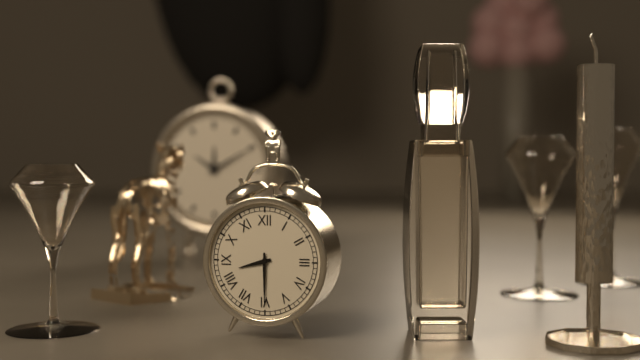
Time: {"hour": 8, "minute": 30}
